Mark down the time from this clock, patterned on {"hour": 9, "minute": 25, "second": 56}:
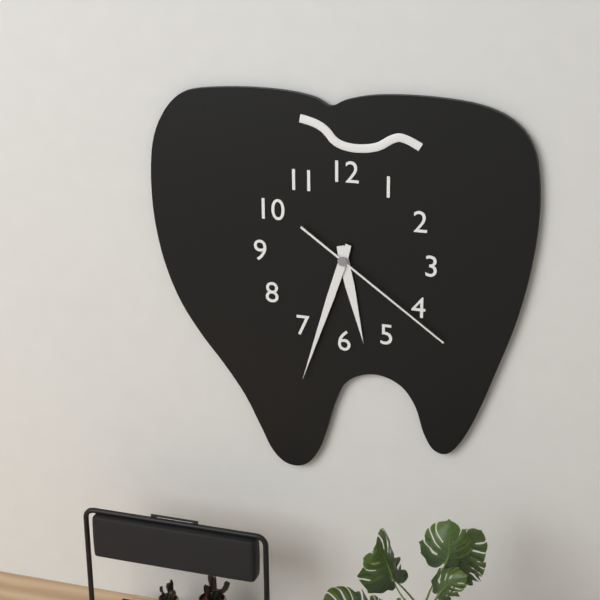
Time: {"hour": 5, "minute": 33, "second": 21}
